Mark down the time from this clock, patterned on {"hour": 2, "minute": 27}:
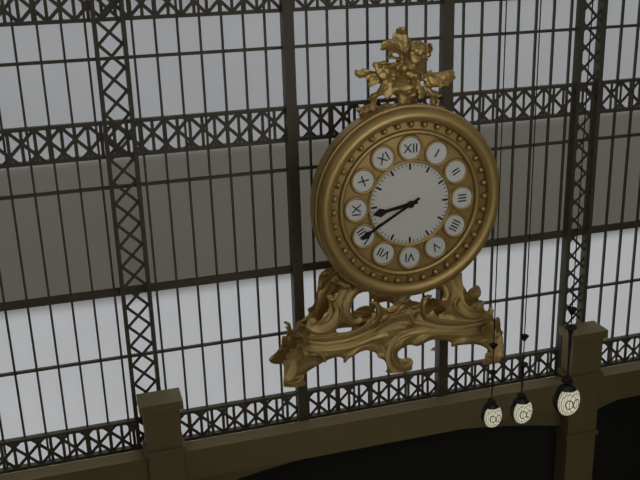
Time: {"hour": 8, "minute": 40}
